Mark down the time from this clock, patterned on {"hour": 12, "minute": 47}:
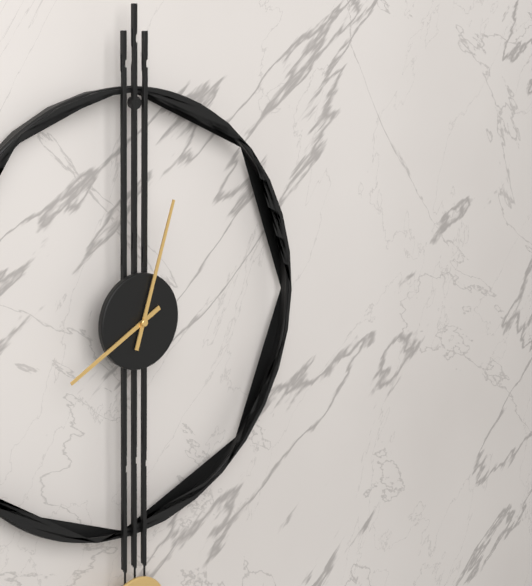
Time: {"hour": 8, "minute": 3}
